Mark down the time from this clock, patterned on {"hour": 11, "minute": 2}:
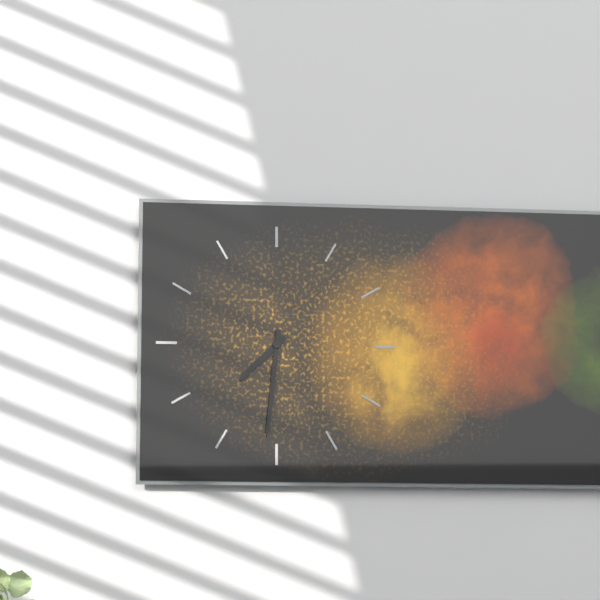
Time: {"hour": 7, "minute": 31}
